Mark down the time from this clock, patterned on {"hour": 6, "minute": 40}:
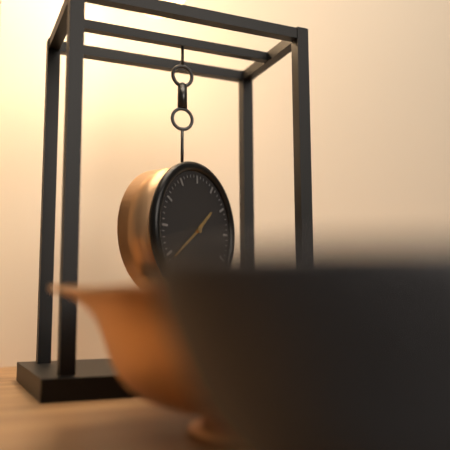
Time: {"hour": 1, "minute": 39}
